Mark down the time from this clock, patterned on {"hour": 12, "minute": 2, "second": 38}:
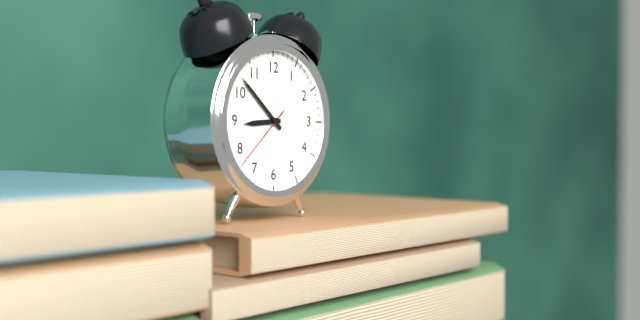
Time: {"hour": 8, "minute": 52, "second": 38}
